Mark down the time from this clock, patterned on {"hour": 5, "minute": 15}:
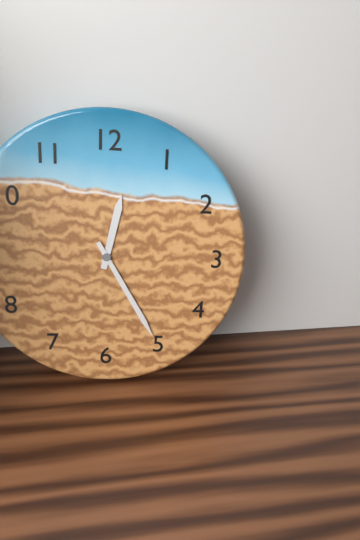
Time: {"hour": 12, "minute": 25}
